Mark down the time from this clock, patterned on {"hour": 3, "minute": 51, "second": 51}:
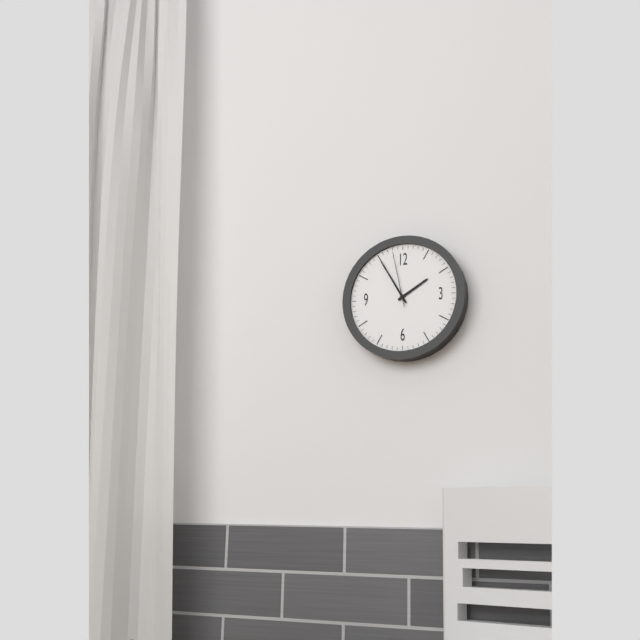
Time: {"hour": 1, "minute": 55, "second": 58}
